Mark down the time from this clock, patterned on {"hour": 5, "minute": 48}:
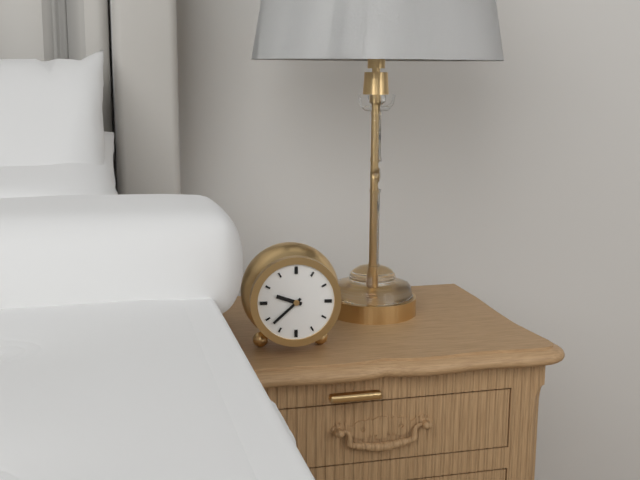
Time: {"hour": 9, "minute": 38}
